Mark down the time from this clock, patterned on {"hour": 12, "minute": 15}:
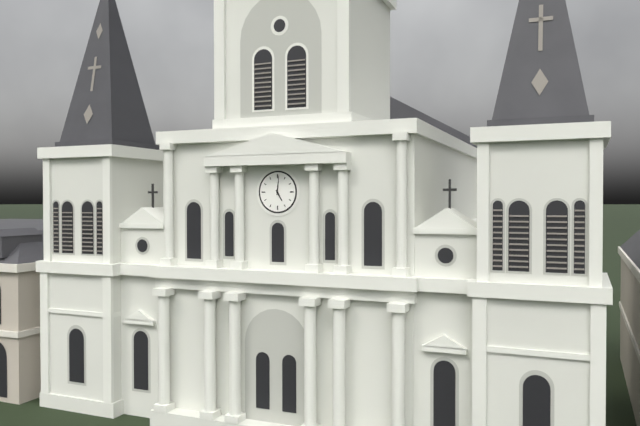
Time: {"hour": 5, "minute": 1}
